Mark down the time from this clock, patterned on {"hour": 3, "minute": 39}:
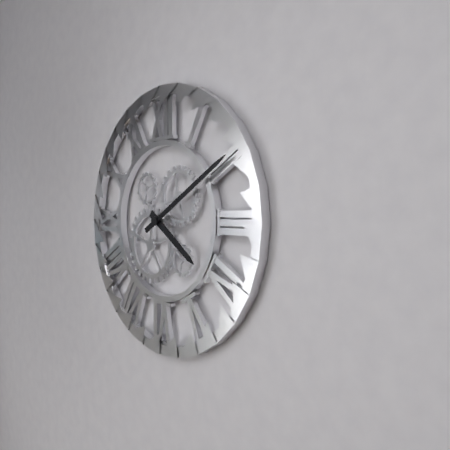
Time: {"hour": 4, "minute": 10}
